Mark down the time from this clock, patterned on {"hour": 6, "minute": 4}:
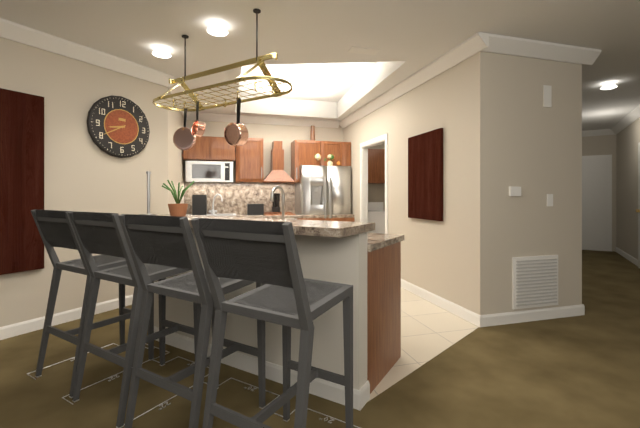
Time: {"hour": 8, "minute": 40}
